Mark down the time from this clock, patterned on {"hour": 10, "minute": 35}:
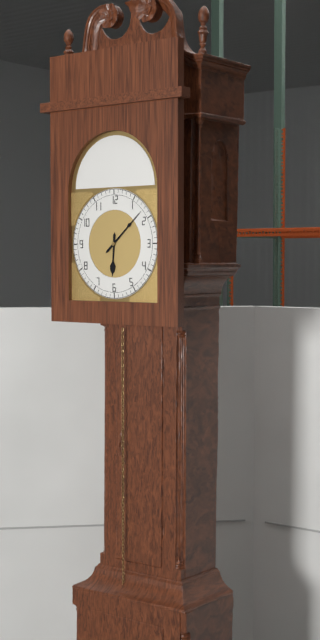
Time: {"hour": 6, "minute": 8}
